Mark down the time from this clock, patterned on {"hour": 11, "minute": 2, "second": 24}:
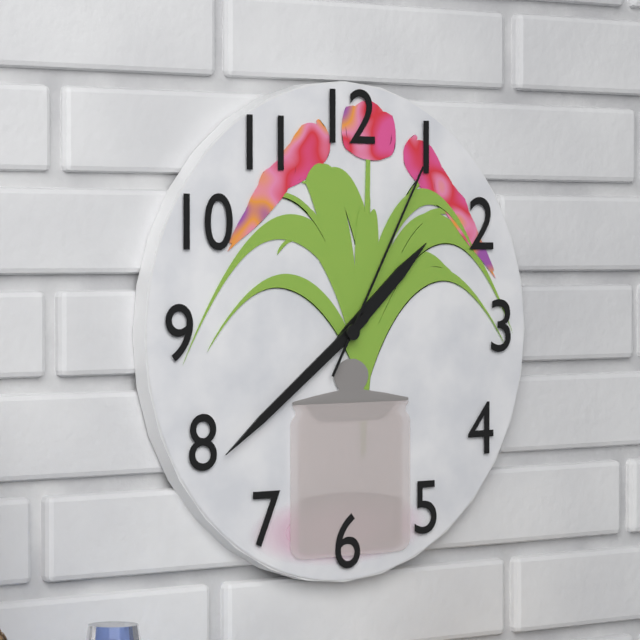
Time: {"hour": 1, "minute": 39, "second": 5}
